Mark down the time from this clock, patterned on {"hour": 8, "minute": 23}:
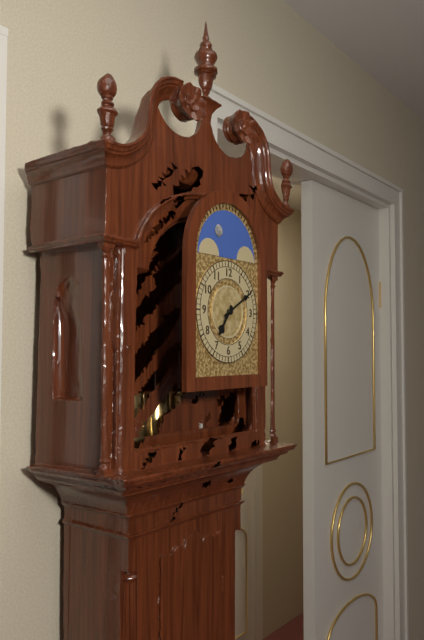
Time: {"hour": 7, "minute": 10}
